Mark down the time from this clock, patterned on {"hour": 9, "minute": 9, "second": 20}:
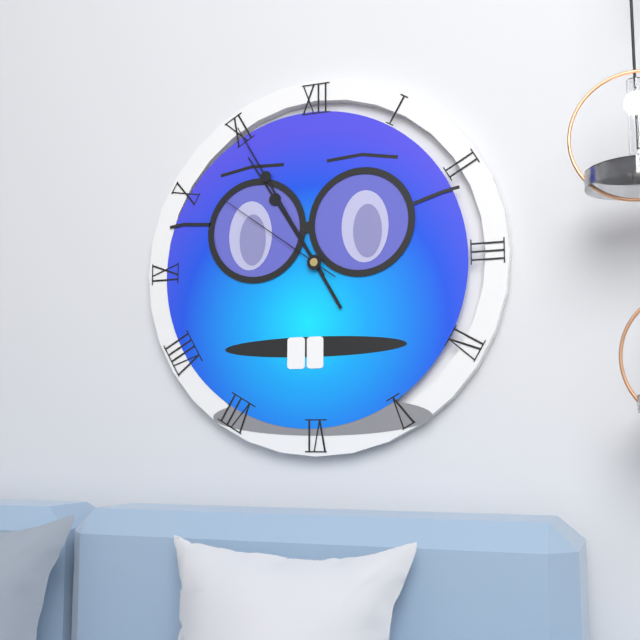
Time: {"hour": 10, "minute": 55, "second": 51}
